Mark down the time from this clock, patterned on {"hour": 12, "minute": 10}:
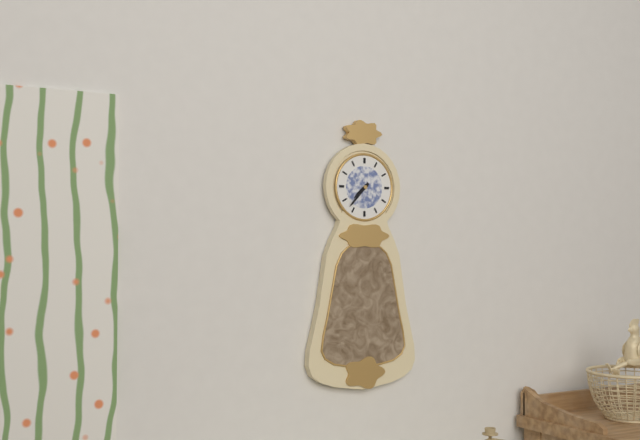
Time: {"hour": 7, "minute": 37}
